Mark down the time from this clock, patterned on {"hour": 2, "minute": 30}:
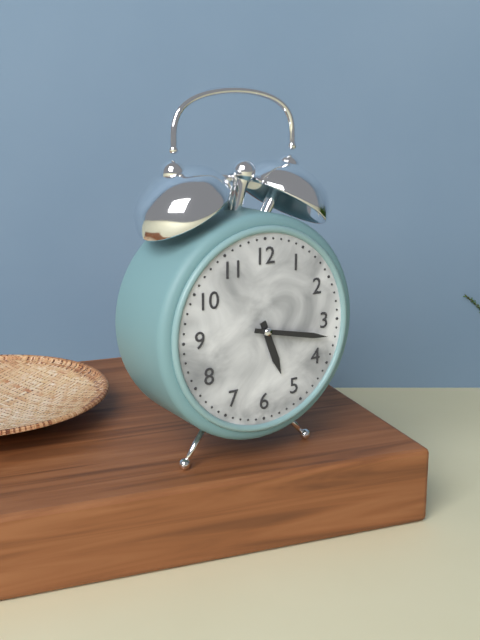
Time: {"hour": 5, "minute": 17}
